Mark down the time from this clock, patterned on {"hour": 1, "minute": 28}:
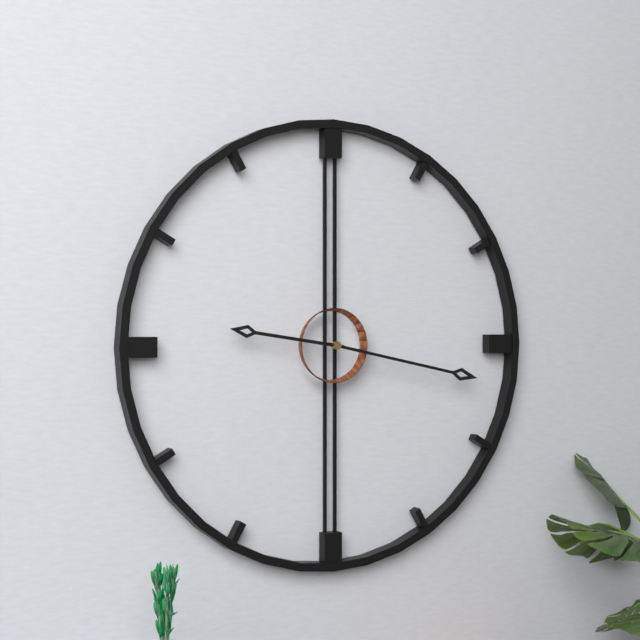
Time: {"hour": 9, "minute": 17}
